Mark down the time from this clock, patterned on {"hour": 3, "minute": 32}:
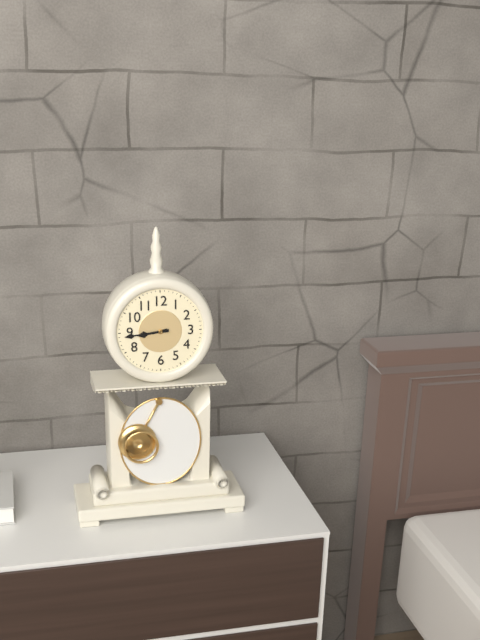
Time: {"hour": 8, "minute": 44}
